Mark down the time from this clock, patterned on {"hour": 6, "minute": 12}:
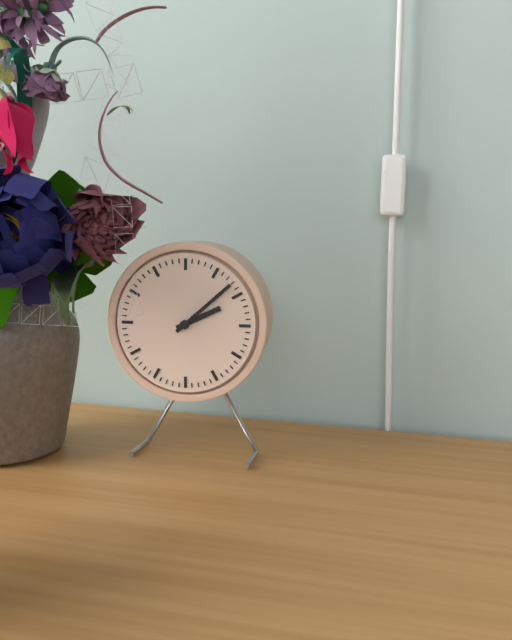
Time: {"hour": 2, "minute": 8}
